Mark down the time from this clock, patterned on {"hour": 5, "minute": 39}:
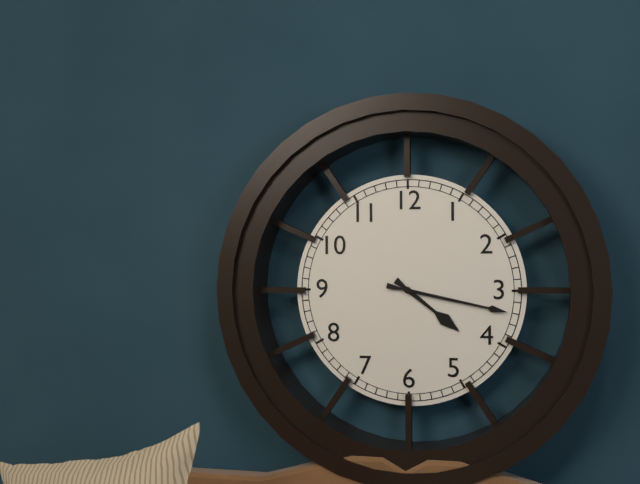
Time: {"hour": 4, "minute": 17}
